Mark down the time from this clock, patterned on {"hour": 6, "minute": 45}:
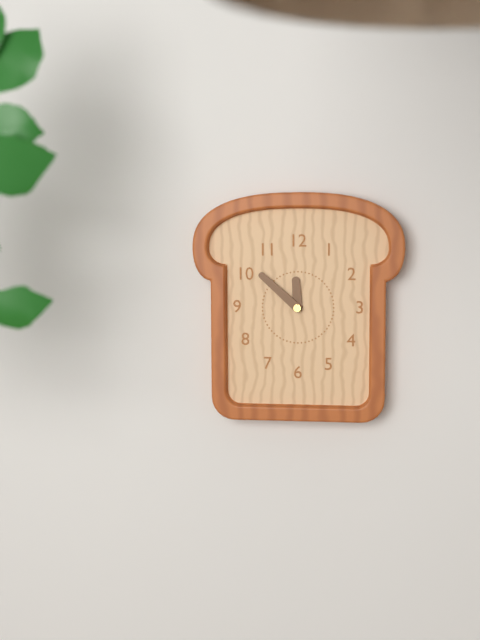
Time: {"hour": 11, "minute": 52}
